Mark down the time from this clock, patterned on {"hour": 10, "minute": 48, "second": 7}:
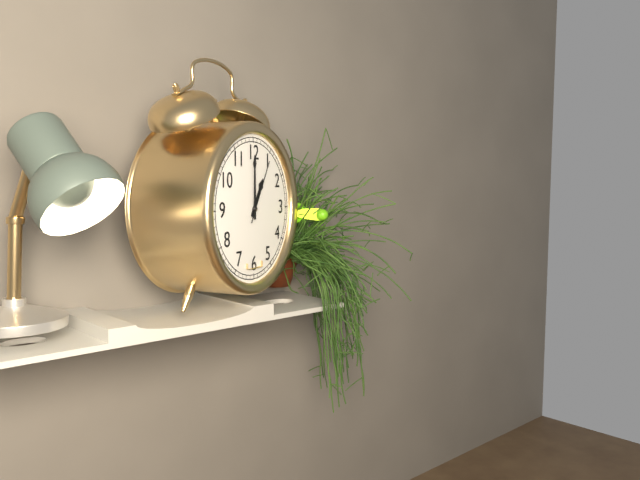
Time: {"hour": 1, "minute": 0, "second": 5}
